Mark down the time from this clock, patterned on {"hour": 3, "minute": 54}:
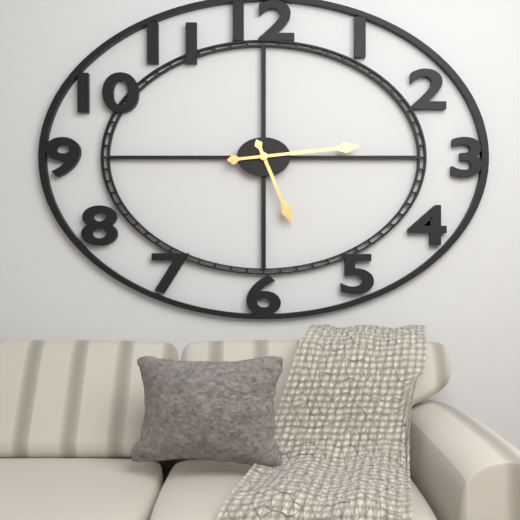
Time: {"hour": 5, "minute": 14}
